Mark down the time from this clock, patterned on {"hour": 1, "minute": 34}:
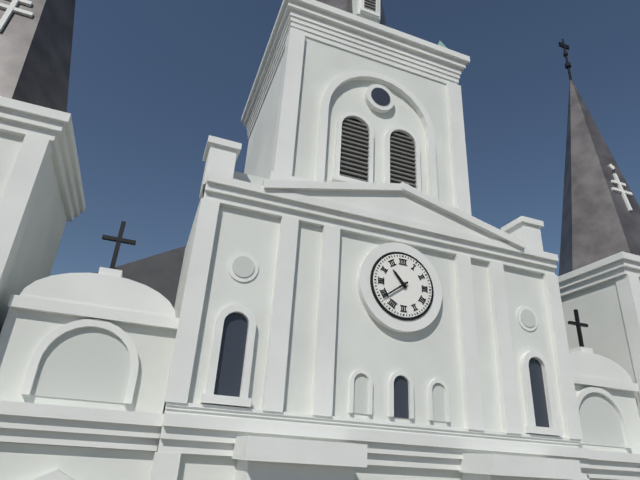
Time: {"hour": 10, "minute": 39}
